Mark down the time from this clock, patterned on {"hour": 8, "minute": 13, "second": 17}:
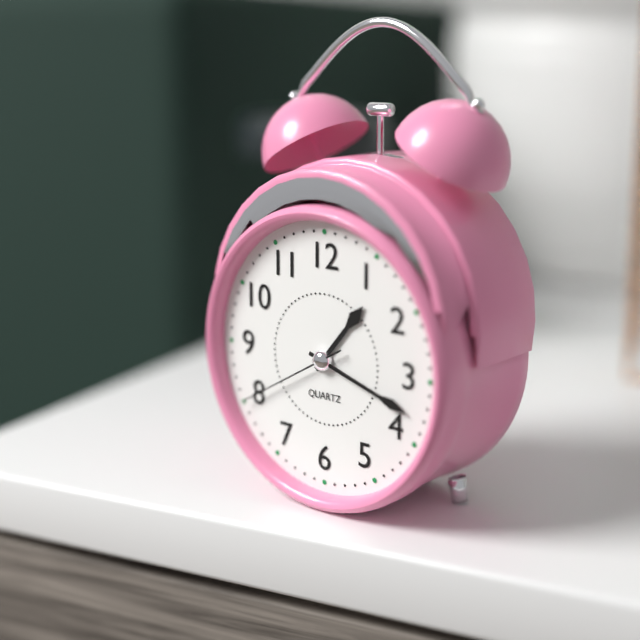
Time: {"hour": 1, "minute": 18, "second": 40}
